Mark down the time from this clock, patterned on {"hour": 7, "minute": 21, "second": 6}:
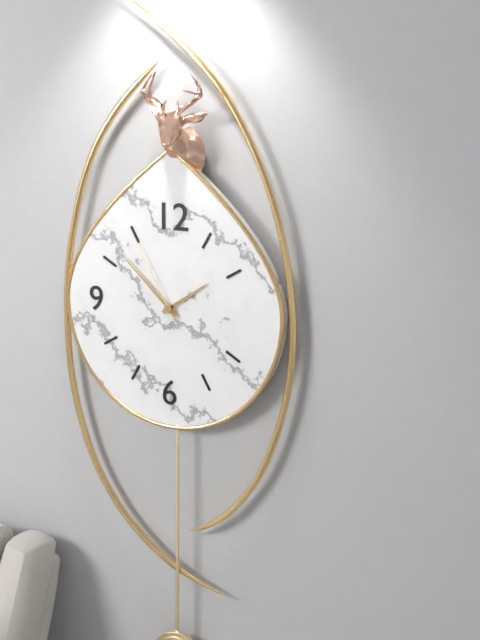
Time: {"hour": 1, "minute": 52, "second": 55}
